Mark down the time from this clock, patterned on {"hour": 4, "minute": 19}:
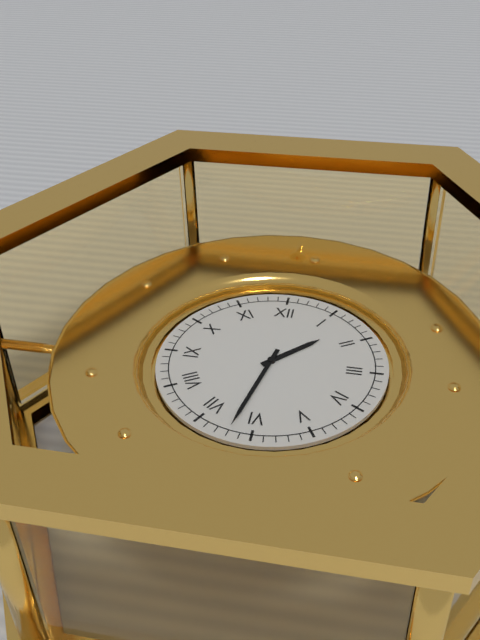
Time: {"hour": 1, "minute": 32}
